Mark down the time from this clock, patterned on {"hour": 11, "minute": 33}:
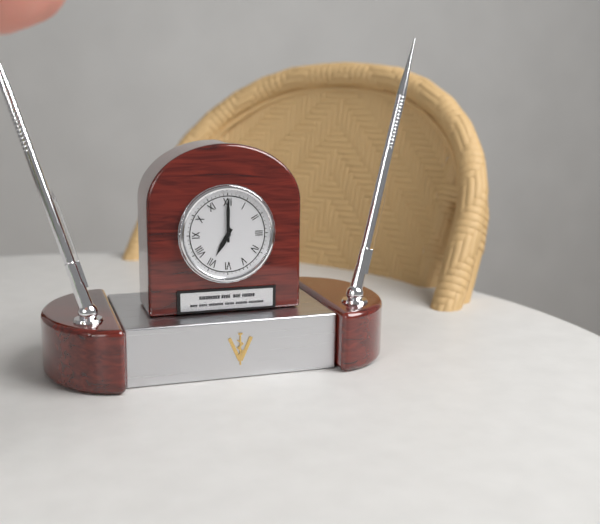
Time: {"hour": 7, "minute": 0}
